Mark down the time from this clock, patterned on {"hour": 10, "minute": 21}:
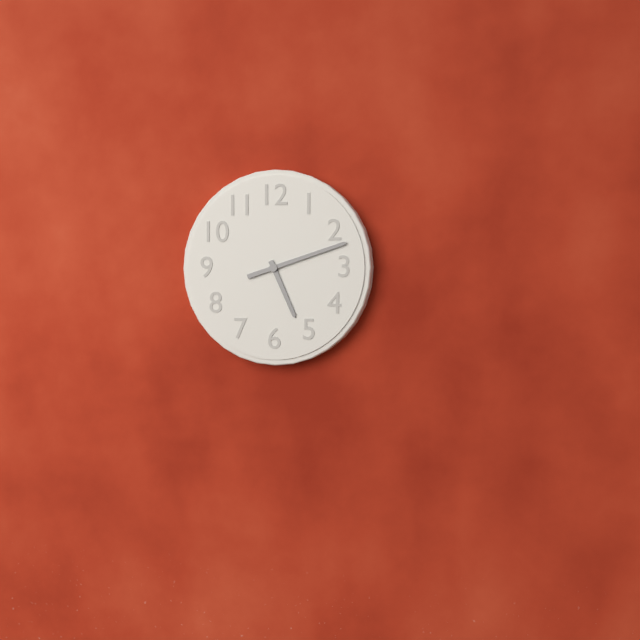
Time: {"hour": 5, "minute": 12}
